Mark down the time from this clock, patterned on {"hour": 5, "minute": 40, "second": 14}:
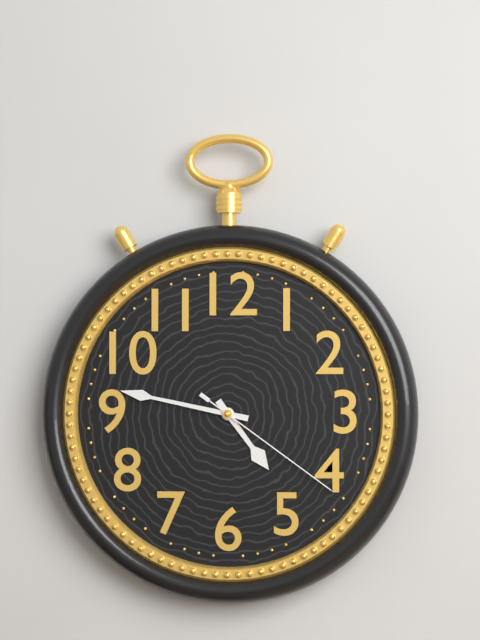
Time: {"hour": 4, "minute": 47, "second": 21}
